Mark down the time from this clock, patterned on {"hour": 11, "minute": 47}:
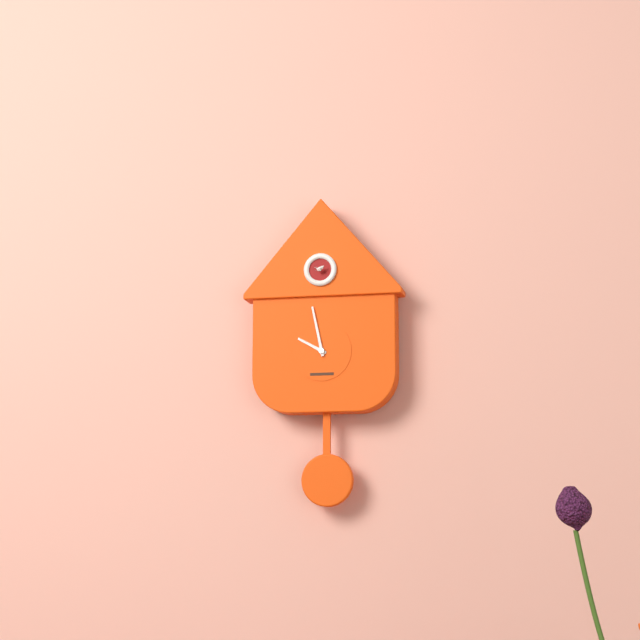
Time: {"hour": 9, "minute": 58}
